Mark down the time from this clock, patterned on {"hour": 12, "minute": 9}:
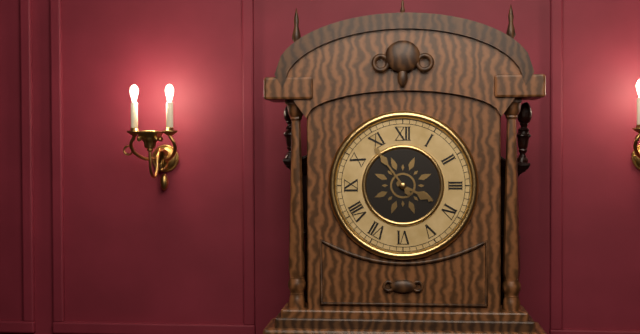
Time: {"hour": 3, "minute": 54}
